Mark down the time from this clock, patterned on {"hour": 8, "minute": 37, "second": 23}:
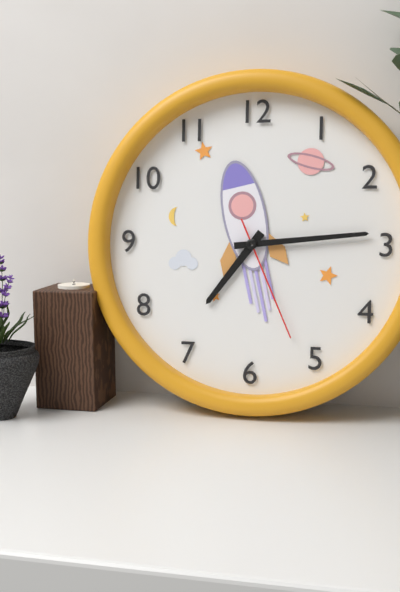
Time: {"hour": 7, "minute": 14, "second": 26}
